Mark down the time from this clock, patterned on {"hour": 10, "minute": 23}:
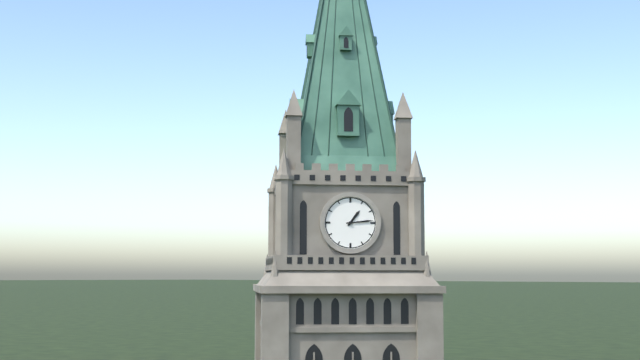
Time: {"hour": 1, "minute": 14}
